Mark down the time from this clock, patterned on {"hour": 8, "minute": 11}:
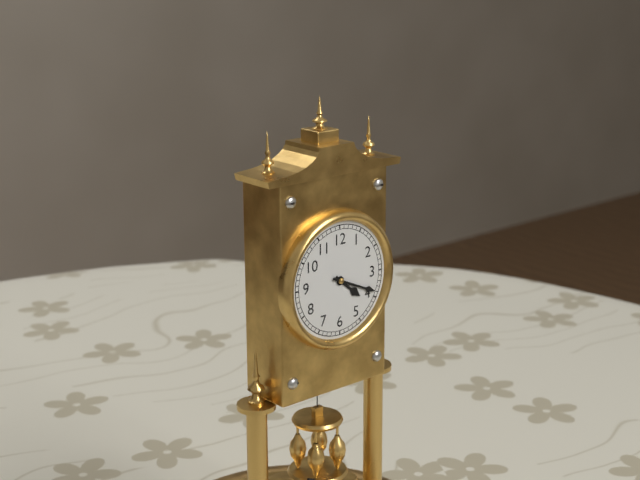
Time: {"hour": 4, "minute": 19}
